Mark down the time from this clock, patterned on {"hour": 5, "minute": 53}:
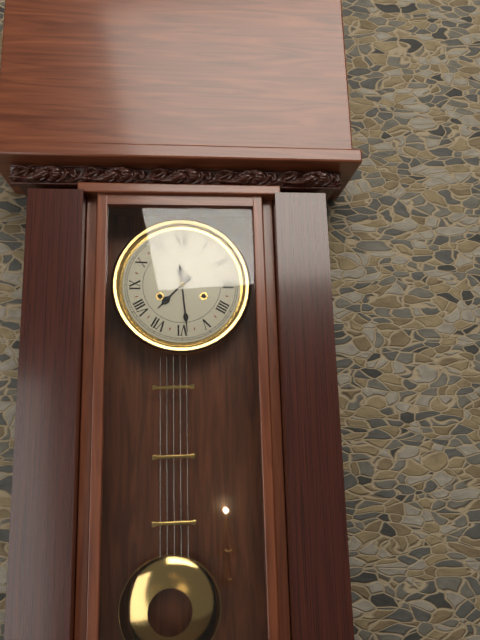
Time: {"hour": 7, "minute": 29}
